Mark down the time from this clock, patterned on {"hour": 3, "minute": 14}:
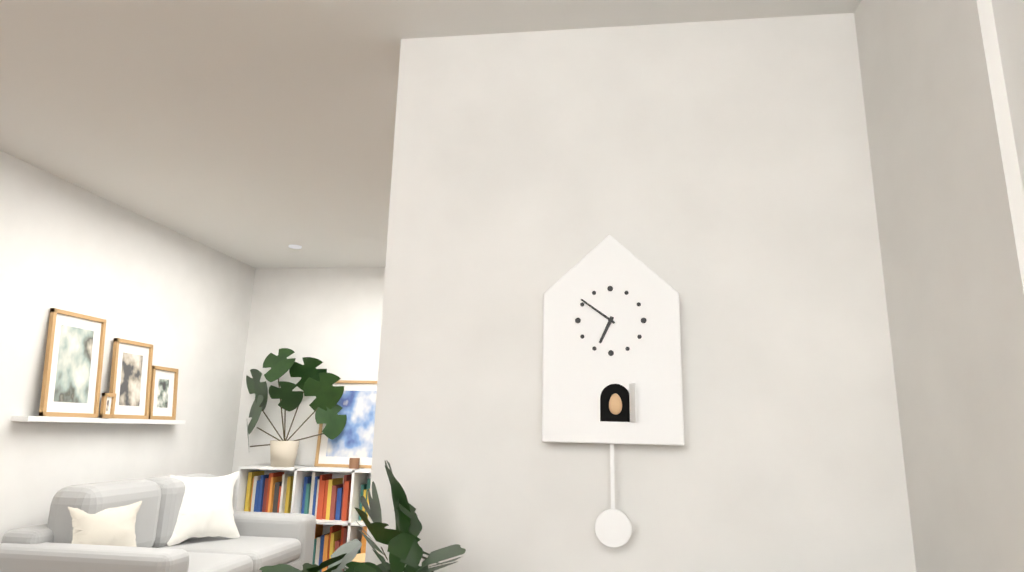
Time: {"hour": 6, "minute": 51}
